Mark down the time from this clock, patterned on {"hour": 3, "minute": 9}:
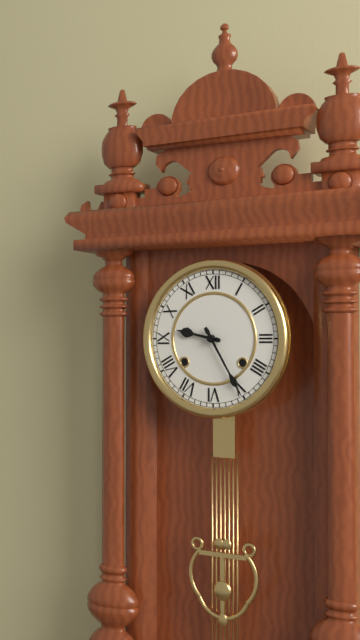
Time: {"hour": 9, "minute": 25}
